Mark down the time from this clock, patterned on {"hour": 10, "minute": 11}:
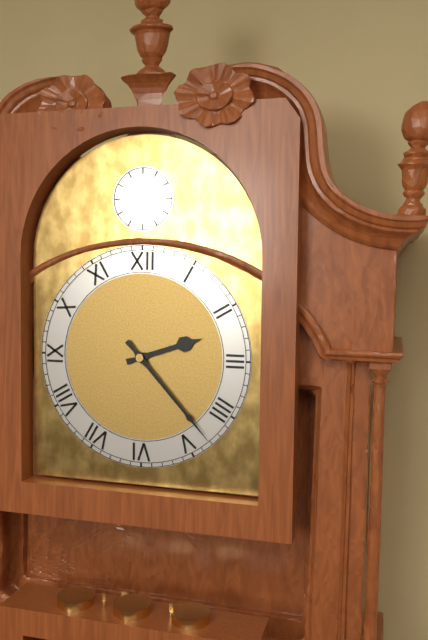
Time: {"hour": 2, "minute": 23}
